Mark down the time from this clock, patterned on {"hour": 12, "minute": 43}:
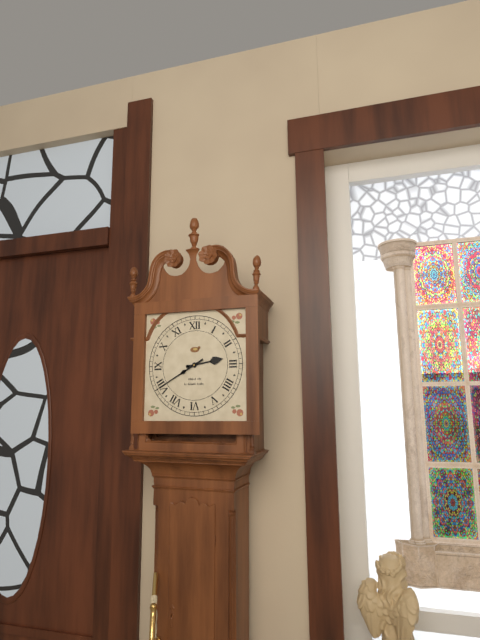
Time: {"hour": 2, "minute": 40}
